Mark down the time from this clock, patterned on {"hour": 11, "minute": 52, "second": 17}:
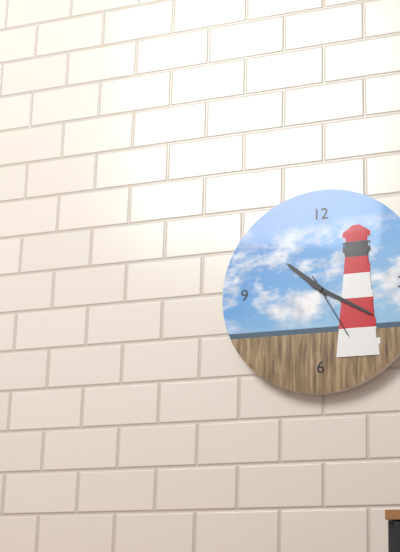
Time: {"hour": 10, "minute": 20, "second": 25}
